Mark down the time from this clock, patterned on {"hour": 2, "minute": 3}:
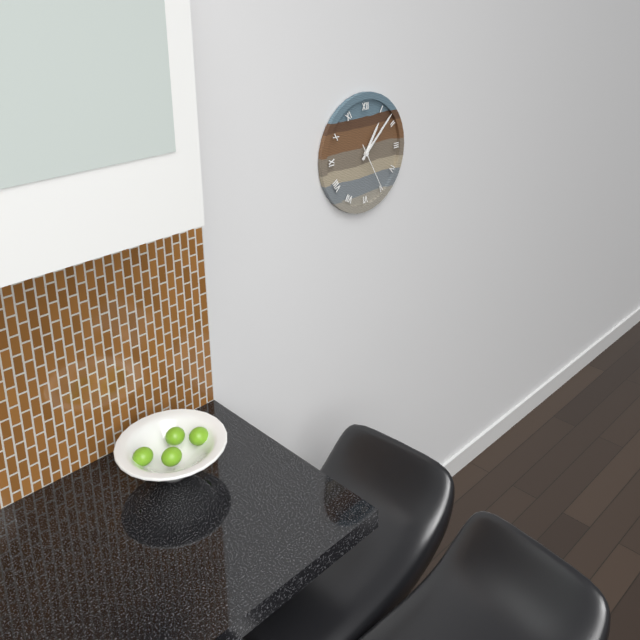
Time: {"hour": 1, "minute": 8}
